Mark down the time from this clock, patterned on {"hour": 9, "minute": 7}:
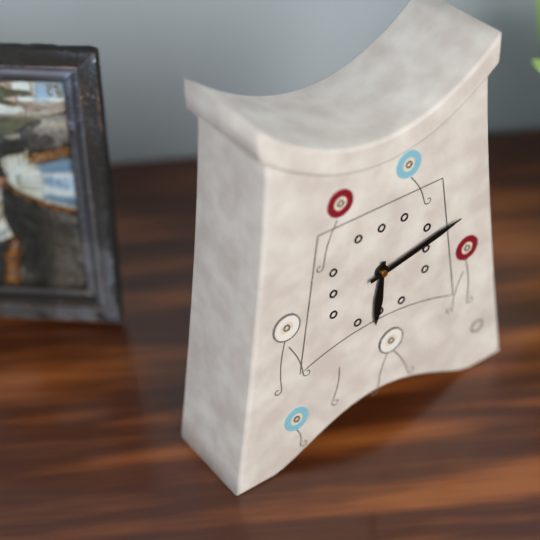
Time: {"hour": 6, "minute": 13}
